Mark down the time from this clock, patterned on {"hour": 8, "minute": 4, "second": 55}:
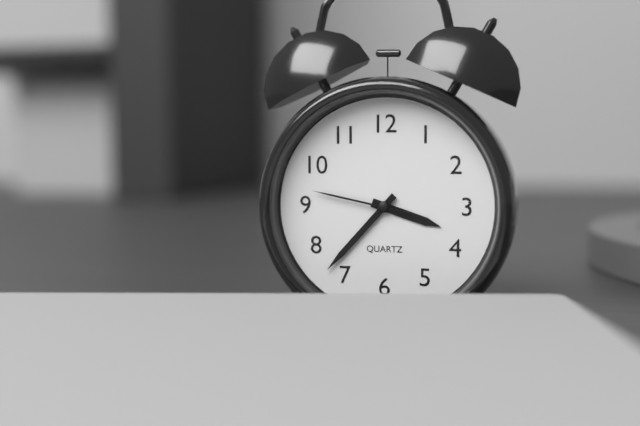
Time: {"hour": 3, "minute": 37, "second": 47}
